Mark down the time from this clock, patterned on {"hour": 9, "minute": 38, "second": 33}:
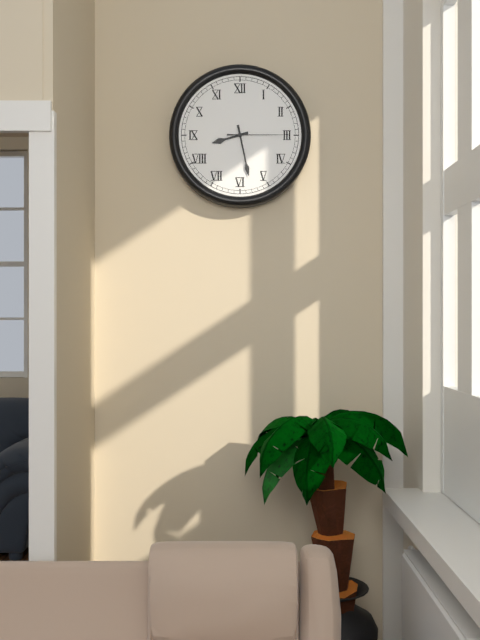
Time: {"hour": 8, "minute": 28, "second": 15}
